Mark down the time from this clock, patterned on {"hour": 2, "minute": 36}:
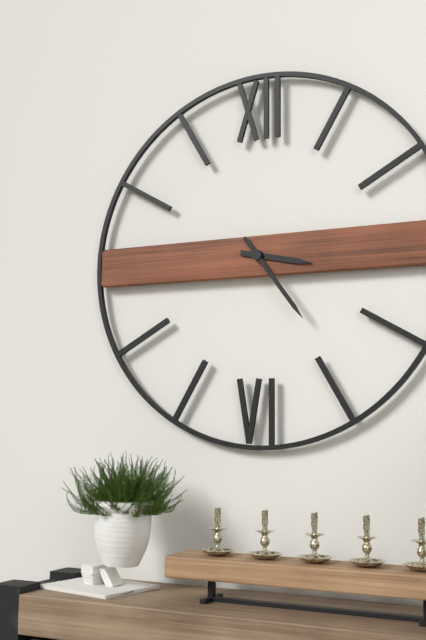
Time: {"hour": 3, "minute": 24}
